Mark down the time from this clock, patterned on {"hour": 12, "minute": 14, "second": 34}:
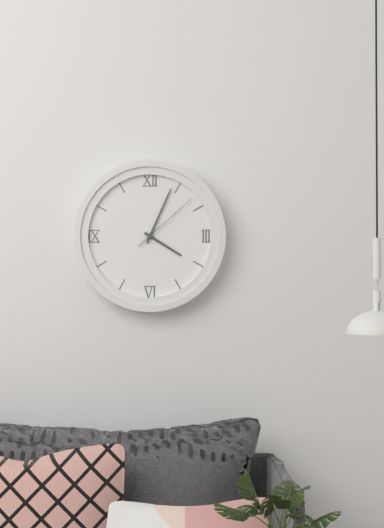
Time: {"hour": 4, "minute": 4, "second": 8}
